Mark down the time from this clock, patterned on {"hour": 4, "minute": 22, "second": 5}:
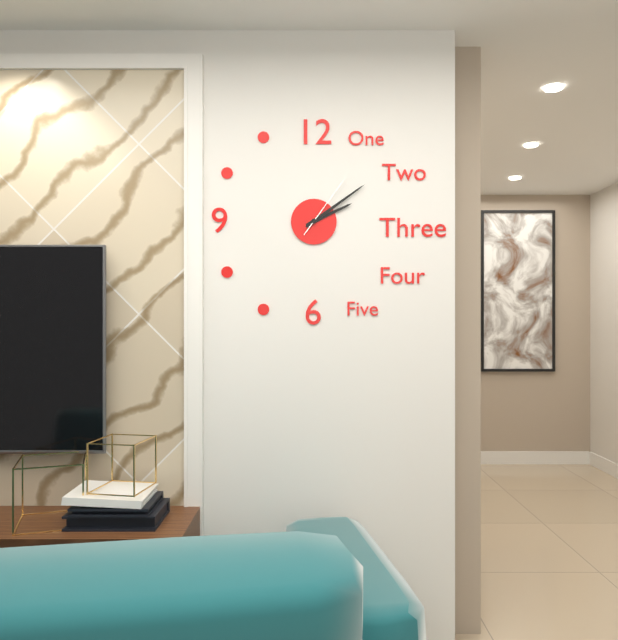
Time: {"hour": 2, "minute": 9, "second": 6}
